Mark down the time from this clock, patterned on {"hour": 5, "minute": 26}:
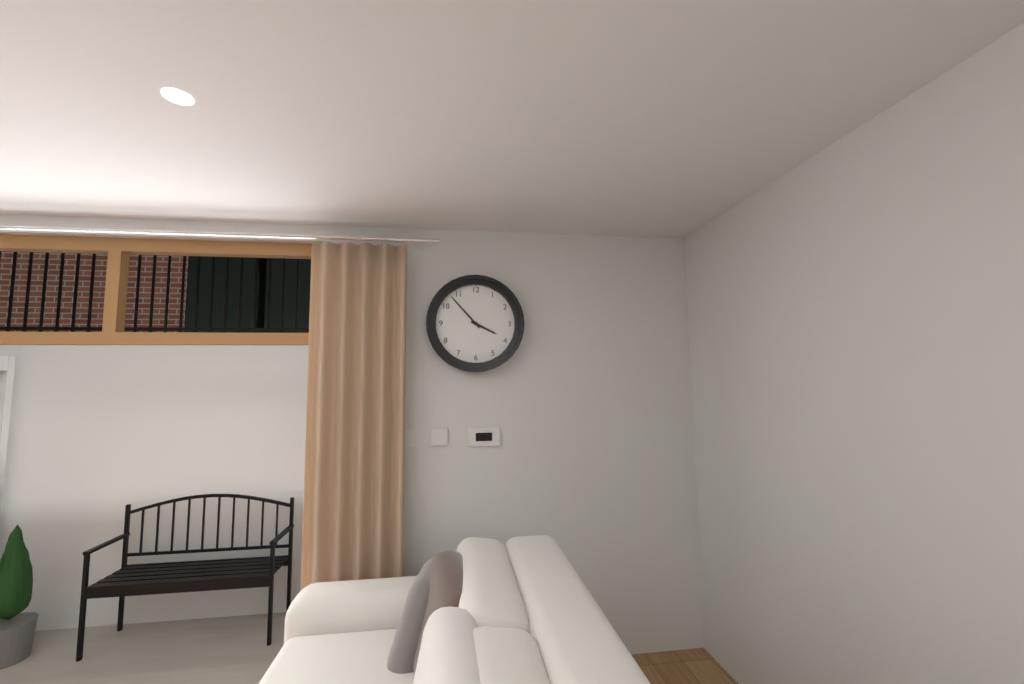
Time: {"hour": 3, "minute": 53}
